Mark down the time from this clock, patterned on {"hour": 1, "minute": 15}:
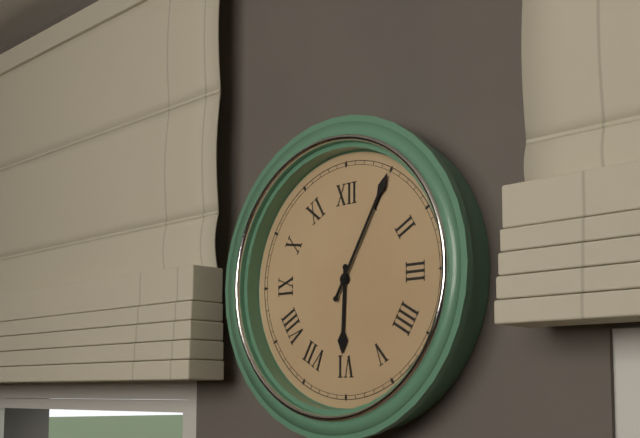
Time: {"hour": 6, "minute": 5}
